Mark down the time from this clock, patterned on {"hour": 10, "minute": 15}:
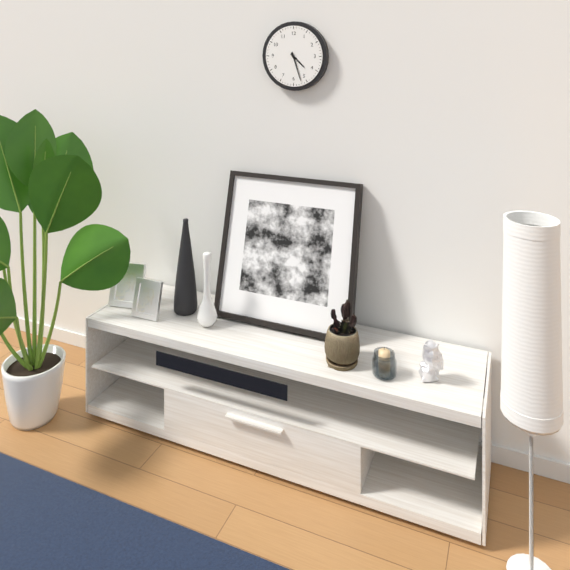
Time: {"hour": 4, "minute": 27}
